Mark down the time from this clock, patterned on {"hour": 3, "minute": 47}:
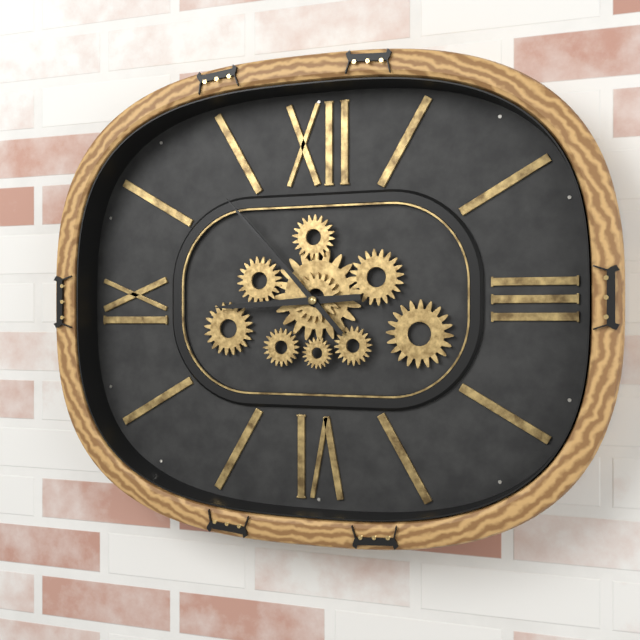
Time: {"hour": 8, "minute": 53}
